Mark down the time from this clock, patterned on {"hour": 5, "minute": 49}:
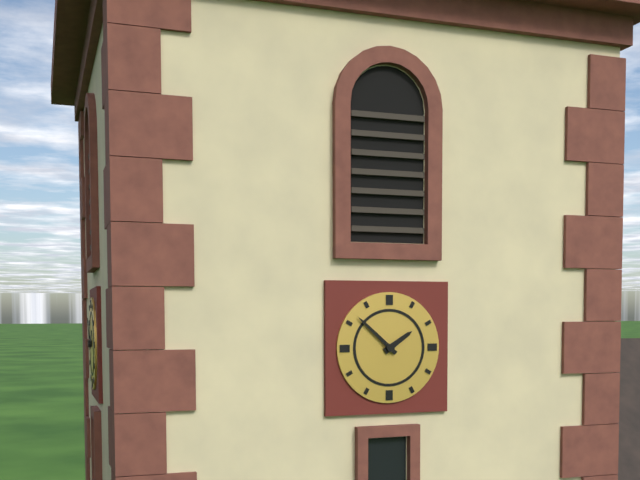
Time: {"hour": 1, "minute": 52}
